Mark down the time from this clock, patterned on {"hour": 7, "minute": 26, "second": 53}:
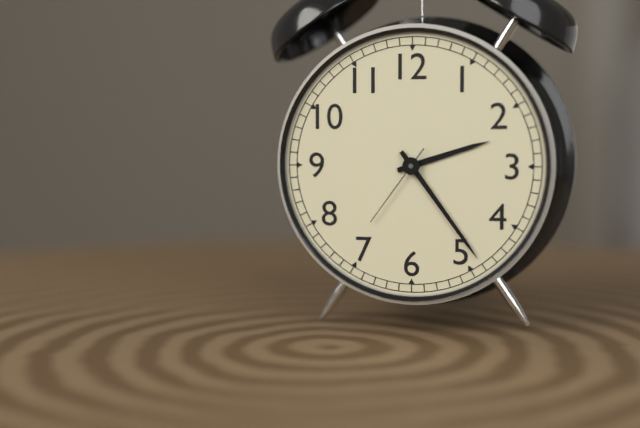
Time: {"hour": 2, "minute": 24, "second": 36}
